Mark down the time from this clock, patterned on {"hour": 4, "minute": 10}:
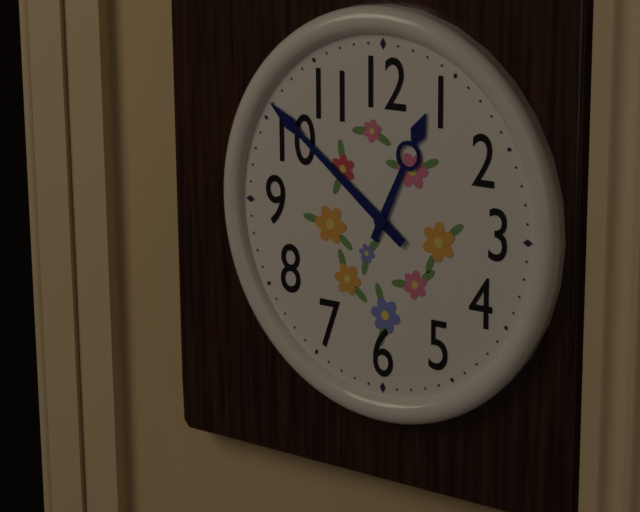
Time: {"hour": 12, "minute": 51}
